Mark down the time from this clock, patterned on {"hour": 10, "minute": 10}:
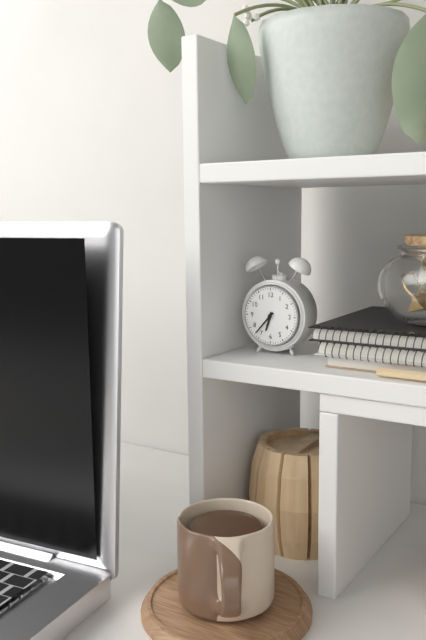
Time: {"hour": 6, "minute": 37}
